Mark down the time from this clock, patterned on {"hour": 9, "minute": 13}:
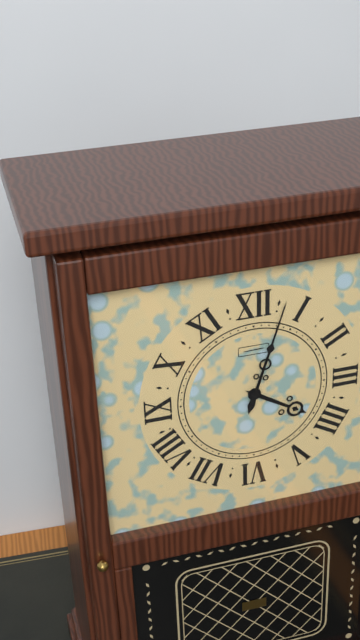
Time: {"hour": 4, "minute": 3}
